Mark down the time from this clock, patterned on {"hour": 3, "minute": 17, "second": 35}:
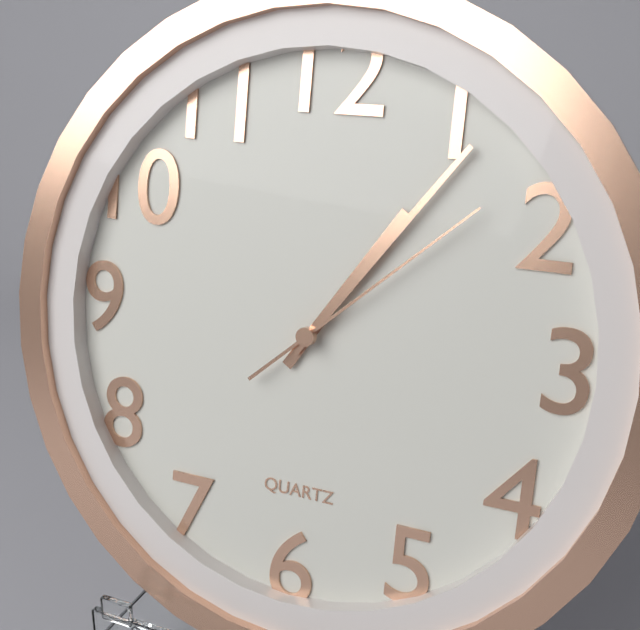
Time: {"hour": 1, "minute": 6, "second": 8}
